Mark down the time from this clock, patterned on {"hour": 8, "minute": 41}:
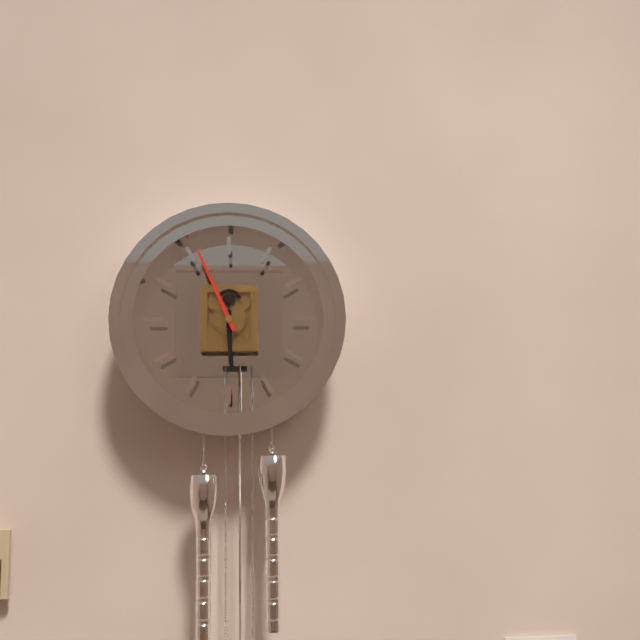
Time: {"hour": 5, "minute": 56}
